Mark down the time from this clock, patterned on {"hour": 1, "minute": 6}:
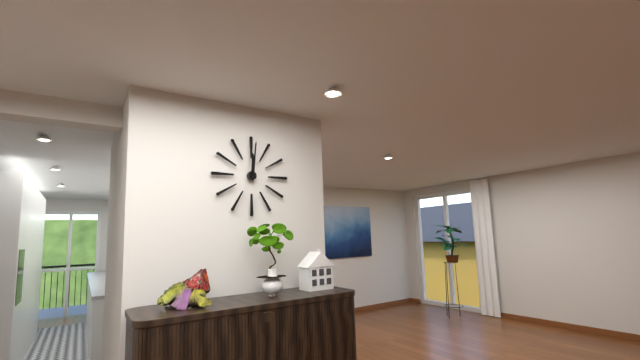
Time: {"hour": 12, "minute": 1}
